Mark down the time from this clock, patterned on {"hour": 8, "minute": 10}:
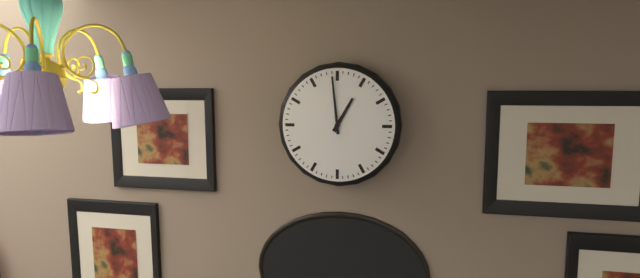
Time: {"hour": 12, "minute": 59}
